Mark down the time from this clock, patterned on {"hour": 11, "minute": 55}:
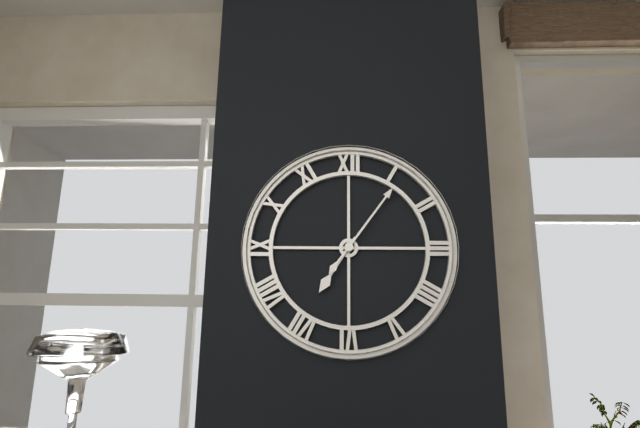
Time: {"hour": 7, "minute": 6}
